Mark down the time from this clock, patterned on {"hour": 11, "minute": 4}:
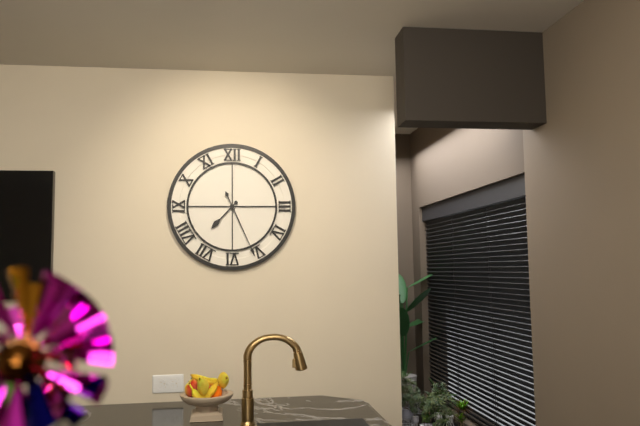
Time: {"hour": 7, "minute": 26}
